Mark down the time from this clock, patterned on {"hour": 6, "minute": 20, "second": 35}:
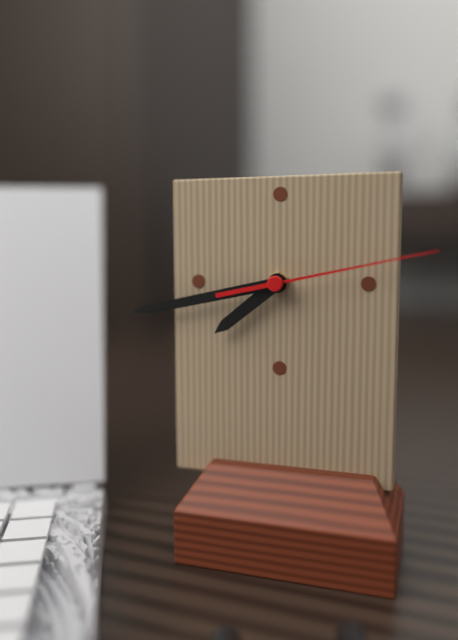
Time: {"hour": 7, "minute": 43, "second": 13}
